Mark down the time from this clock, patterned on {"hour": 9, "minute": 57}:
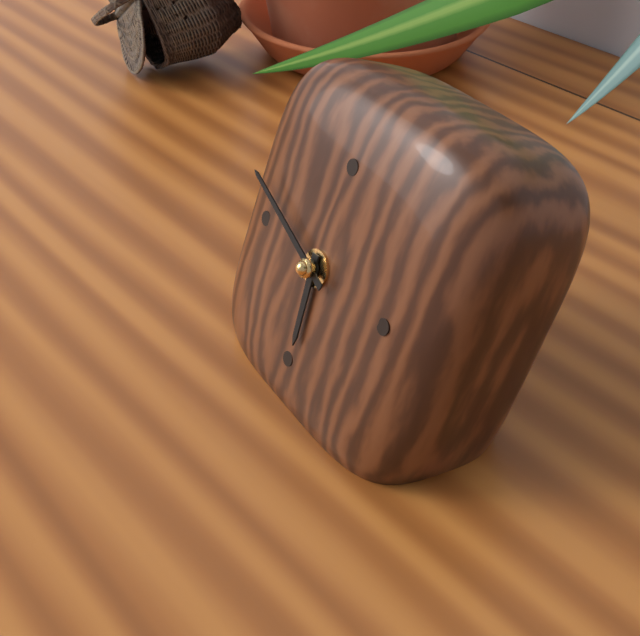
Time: {"hour": 5, "minute": 48}
